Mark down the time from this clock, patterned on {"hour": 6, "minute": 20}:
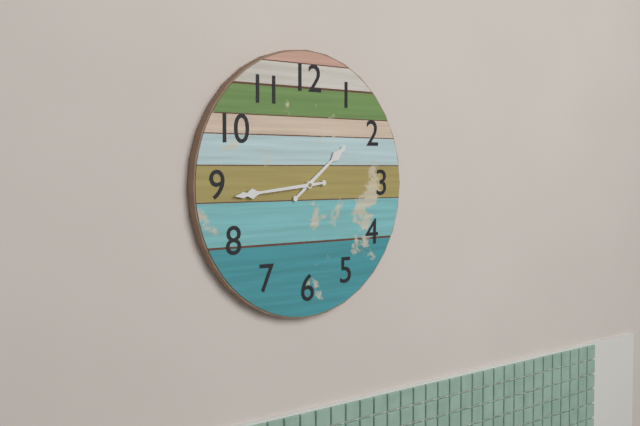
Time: {"hour": 1, "minute": 44}
